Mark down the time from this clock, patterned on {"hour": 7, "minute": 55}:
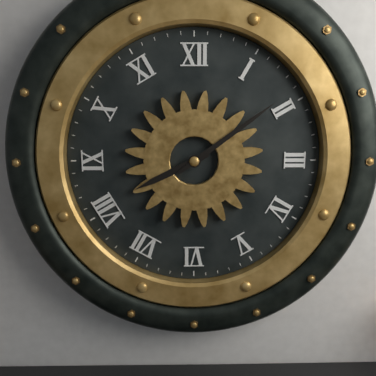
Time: {"hour": 8, "minute": 9}
